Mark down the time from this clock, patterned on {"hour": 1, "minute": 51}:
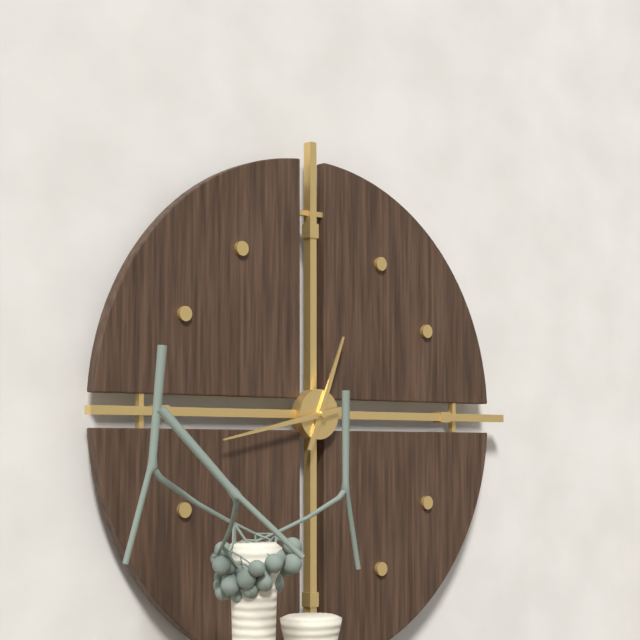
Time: {"hour": 12, "minute": 43}
